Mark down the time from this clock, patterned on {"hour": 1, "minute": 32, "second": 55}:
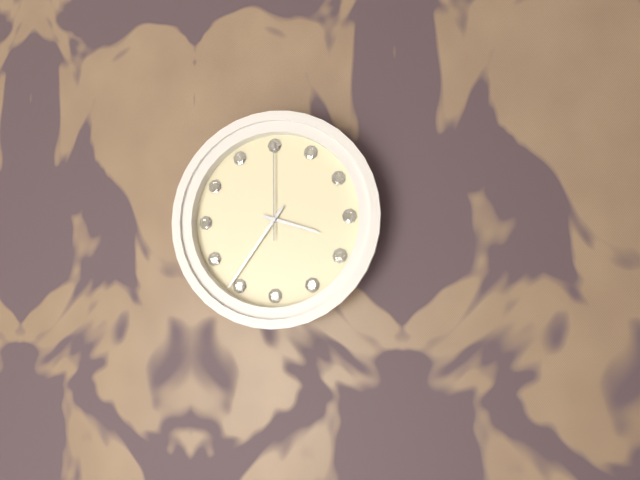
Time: {"hour": 3, "minute": 36, "second": 0}
